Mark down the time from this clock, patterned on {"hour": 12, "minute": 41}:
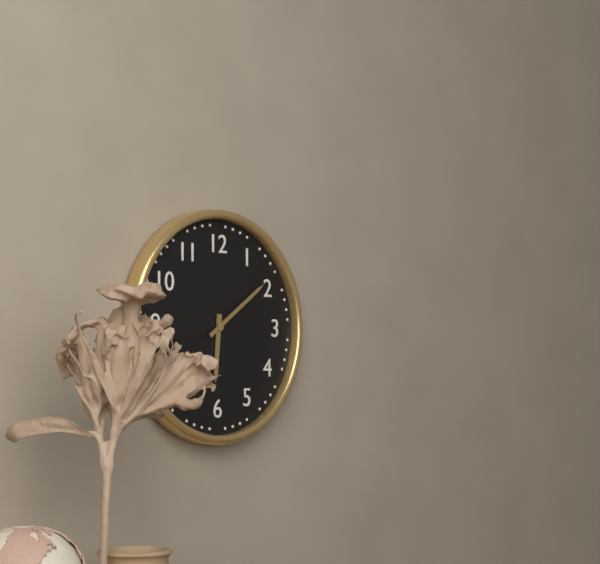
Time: {"hour": 6, "minute": 9}
